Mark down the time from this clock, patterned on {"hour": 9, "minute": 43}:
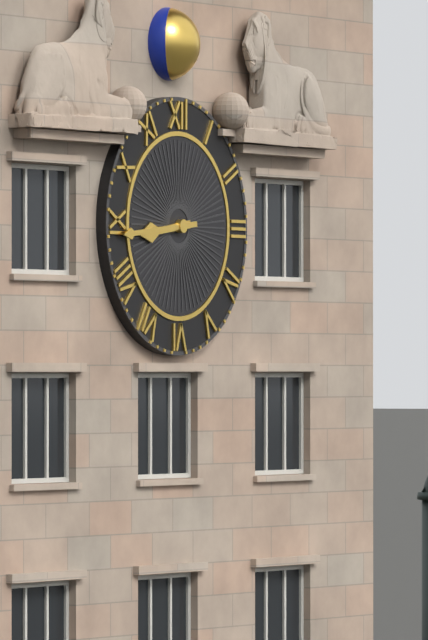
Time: {"hour": 8, "minute": 44}
